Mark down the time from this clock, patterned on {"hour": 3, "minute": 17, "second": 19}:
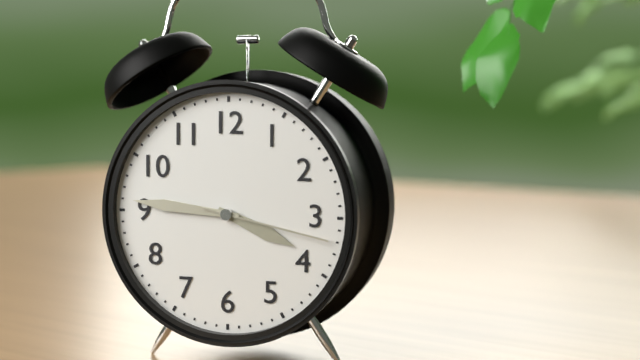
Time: {"hour": 3, "minute": 46, "second": 17}
